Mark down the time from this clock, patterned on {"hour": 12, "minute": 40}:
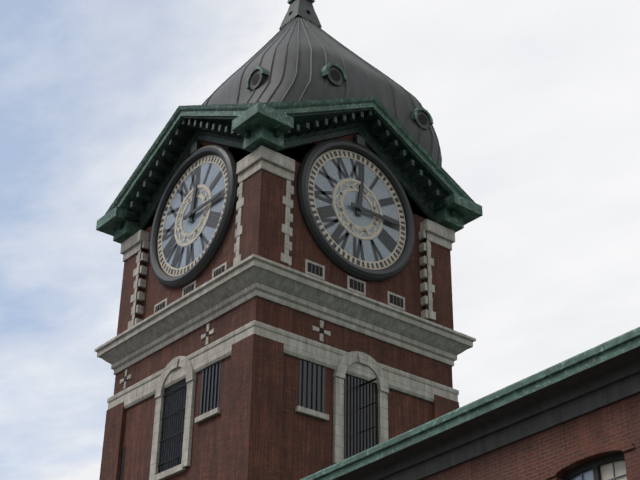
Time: {"hour": 12, "minute": 15}
